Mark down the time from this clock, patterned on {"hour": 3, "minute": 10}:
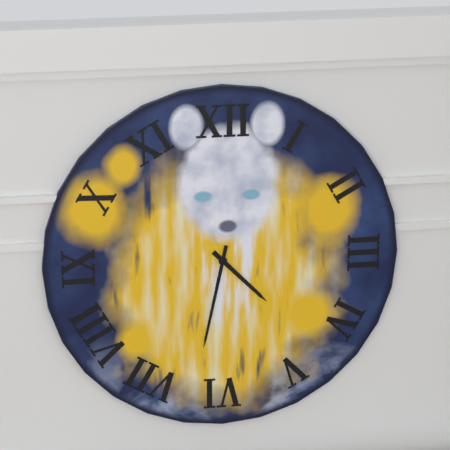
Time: {"hour": 4, "minute": 32}
